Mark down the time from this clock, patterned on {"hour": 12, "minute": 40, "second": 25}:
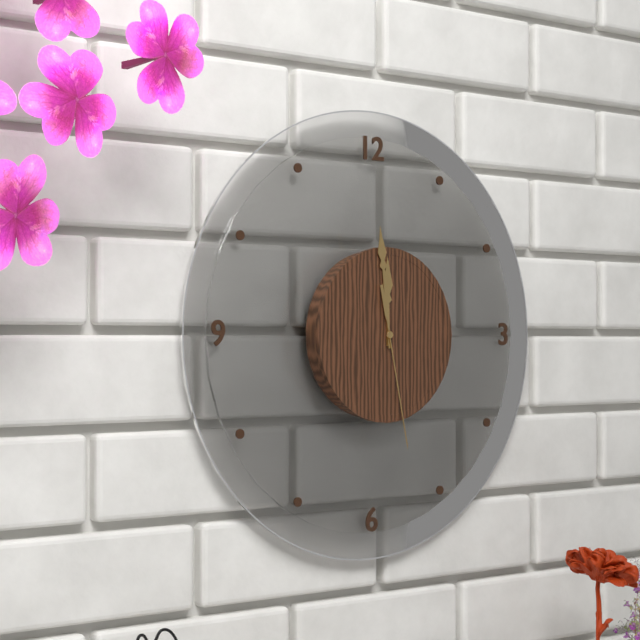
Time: {"hour": 11, "minute": 59, "second": 28}
